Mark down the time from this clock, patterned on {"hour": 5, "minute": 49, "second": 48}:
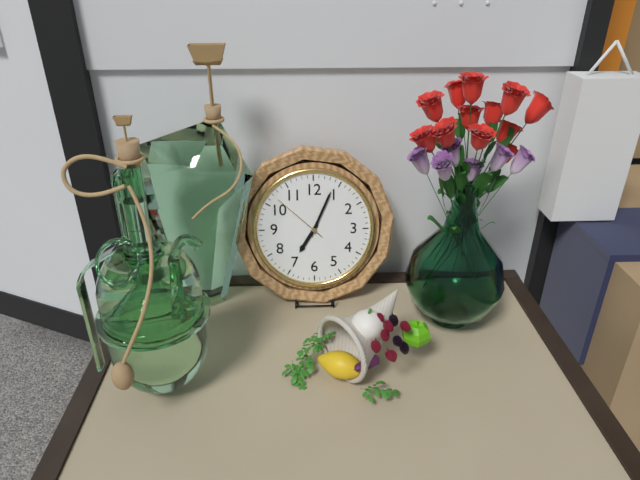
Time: {"hour": 7, "minute": 4, "second": 52}
